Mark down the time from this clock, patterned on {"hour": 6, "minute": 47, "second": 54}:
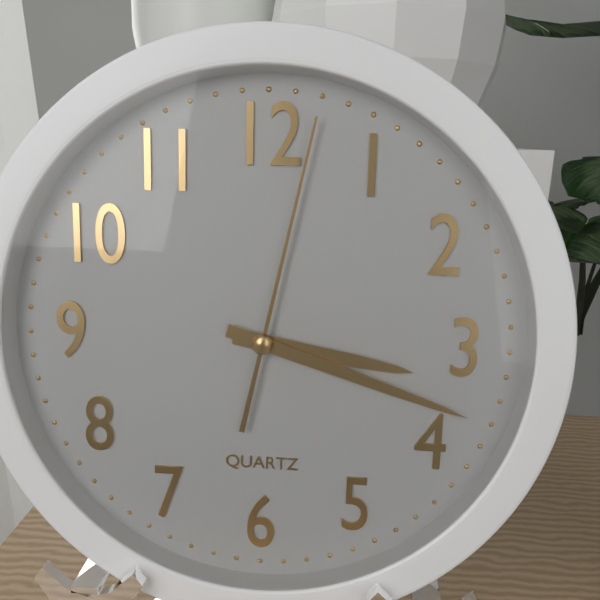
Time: {"hour": 3, "minute": 18, "second": 2}
